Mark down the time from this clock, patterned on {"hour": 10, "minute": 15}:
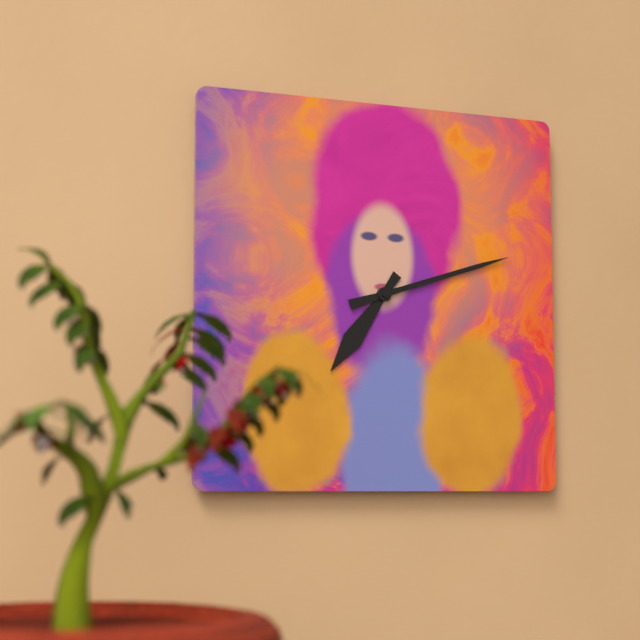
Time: {"hour": 7, "minute": 12}
